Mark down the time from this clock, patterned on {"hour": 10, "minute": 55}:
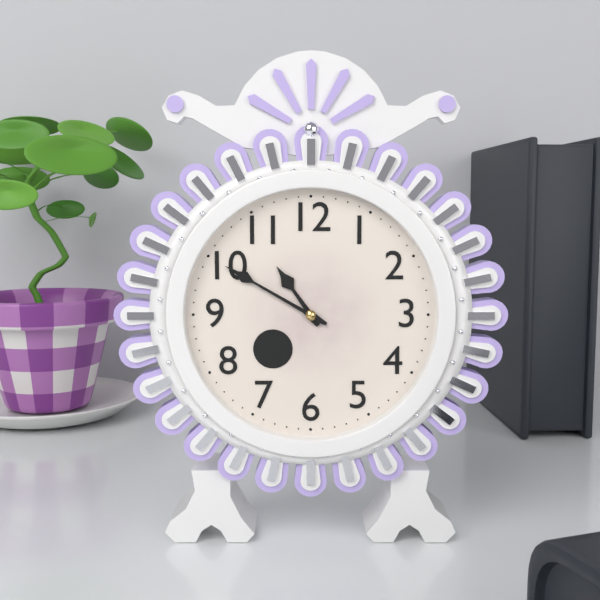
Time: {"hour": 10, "minute": 50}
